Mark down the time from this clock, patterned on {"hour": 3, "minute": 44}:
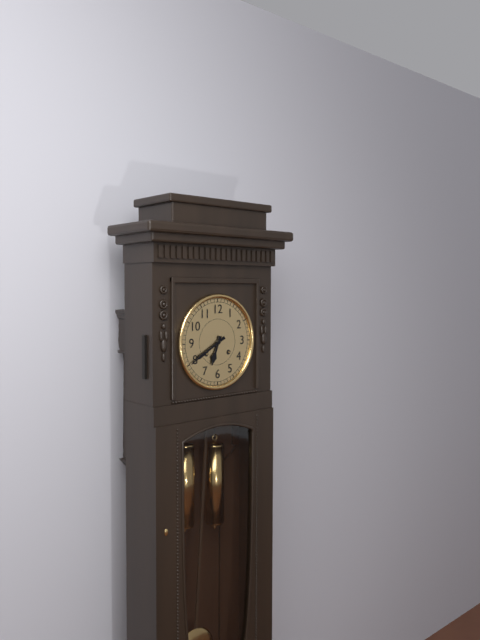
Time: {"hour": 6, "minute": 40}
